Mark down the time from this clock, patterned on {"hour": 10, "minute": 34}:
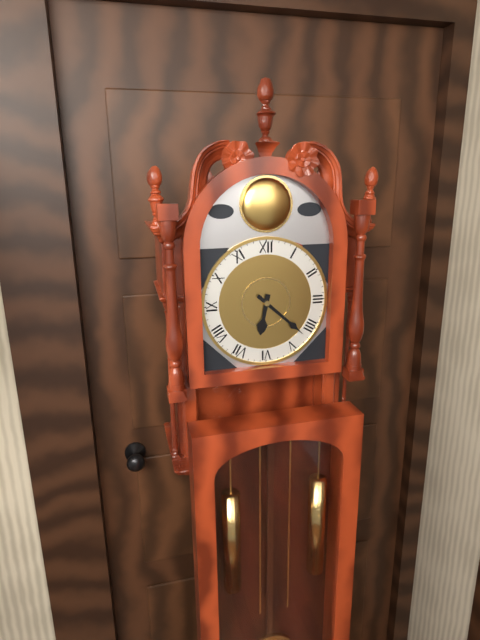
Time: {"hour": 6, "minute": 22}
